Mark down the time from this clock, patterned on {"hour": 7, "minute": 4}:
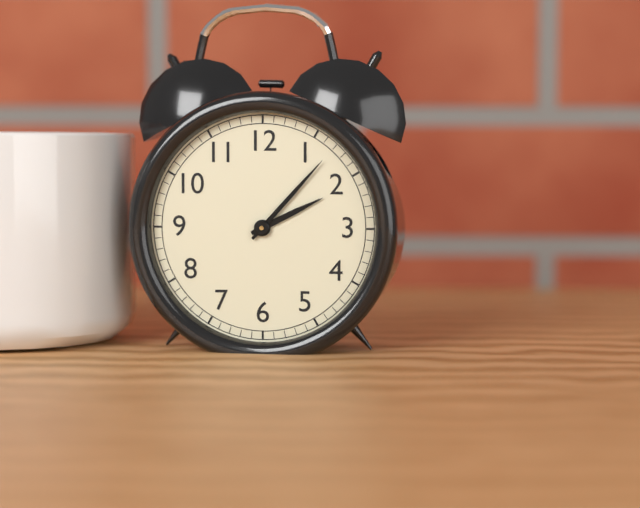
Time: {"hour": 2, "minute": 7}
